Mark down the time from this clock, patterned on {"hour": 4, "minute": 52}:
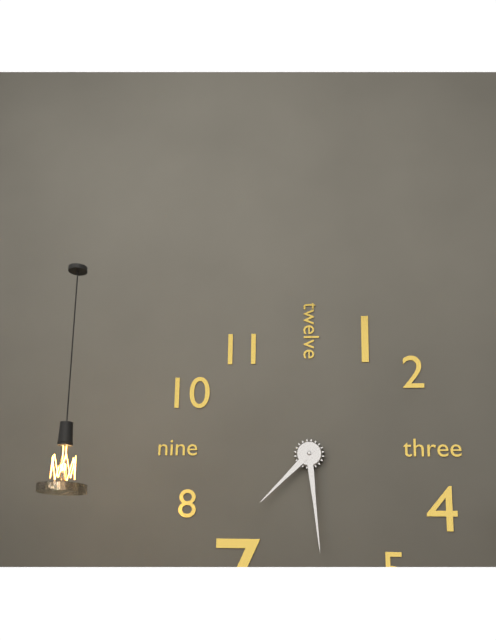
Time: {"hour": 7, "minute": 29}
